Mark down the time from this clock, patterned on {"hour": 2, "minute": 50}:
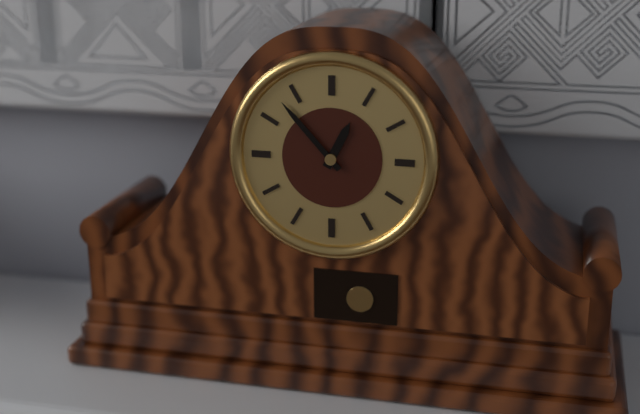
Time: {"hour": 12, "minute": 53}
